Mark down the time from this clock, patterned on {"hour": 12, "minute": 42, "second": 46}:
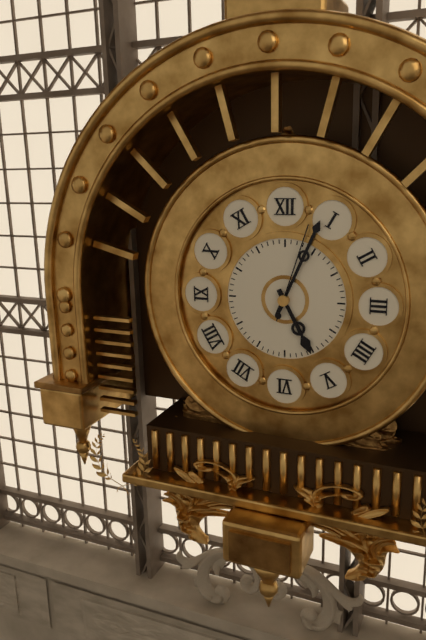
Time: {"hour": 5, "minute": 4, "second": 3}
